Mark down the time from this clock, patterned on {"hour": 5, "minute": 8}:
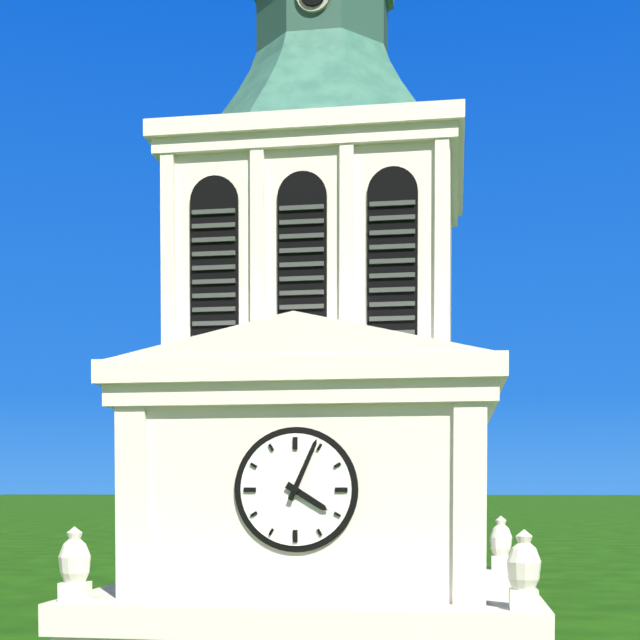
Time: {"hour": 4, "minute": 4}
